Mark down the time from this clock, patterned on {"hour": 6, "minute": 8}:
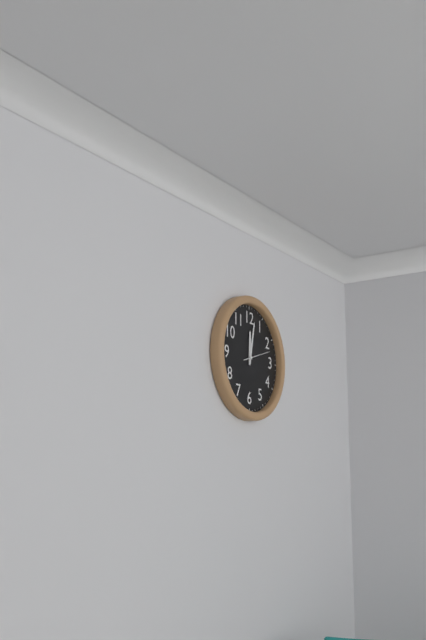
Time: {"hour": 12, "minute": 2}
